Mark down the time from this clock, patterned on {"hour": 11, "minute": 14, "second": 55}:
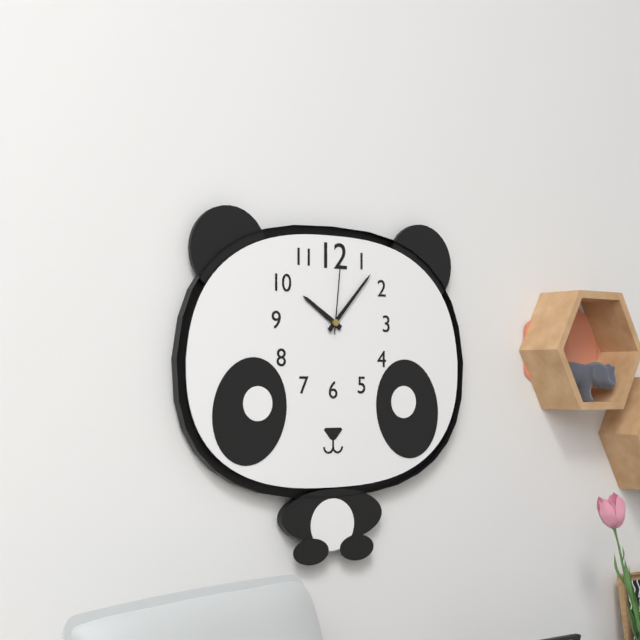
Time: {"hour": 10, "minute": 7, "second": 1}
